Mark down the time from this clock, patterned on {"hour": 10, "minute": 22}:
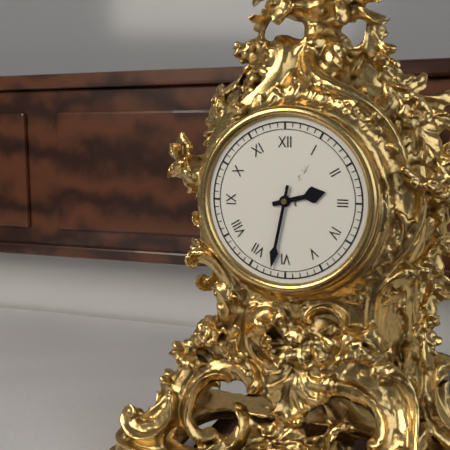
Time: {"hour": 2, "minute": 32}
